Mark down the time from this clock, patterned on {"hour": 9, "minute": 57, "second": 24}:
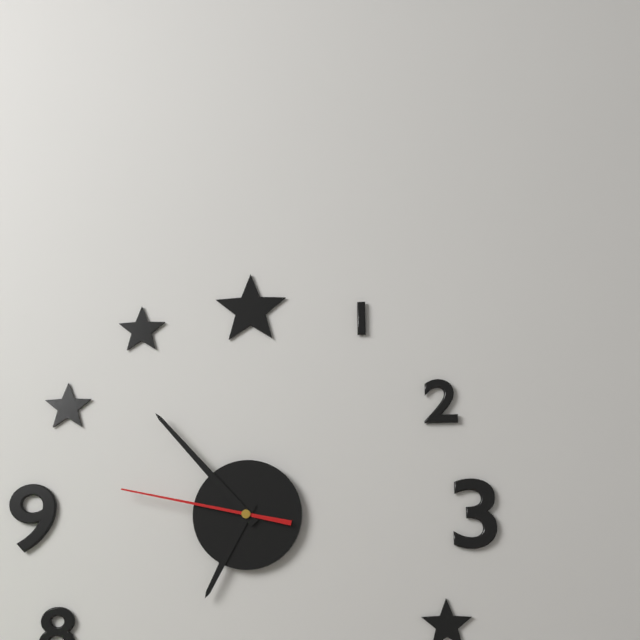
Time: {"hour": 6, "minute": 53, "second": 47}
